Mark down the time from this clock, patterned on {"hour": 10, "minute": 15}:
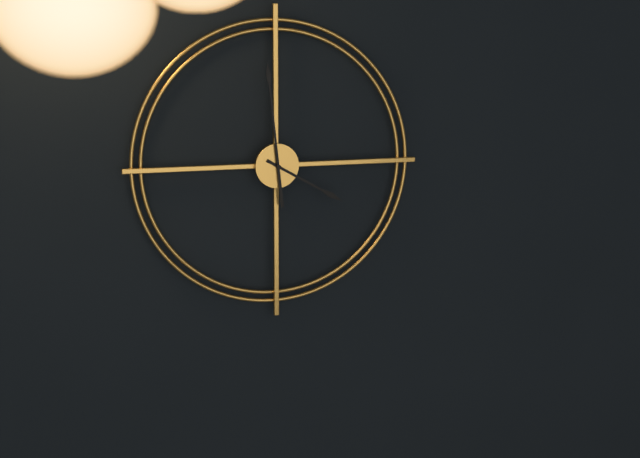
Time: {"hour": 3, "minute": 59}
